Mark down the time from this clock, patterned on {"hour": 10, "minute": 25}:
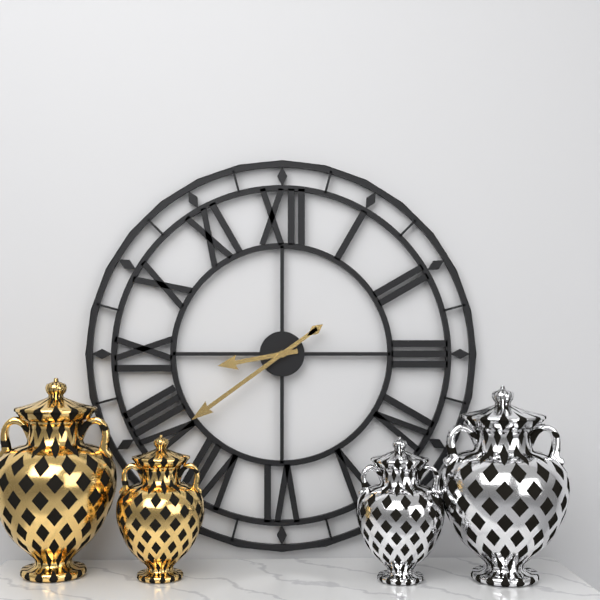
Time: {"hour": 8, "minute": 39}
